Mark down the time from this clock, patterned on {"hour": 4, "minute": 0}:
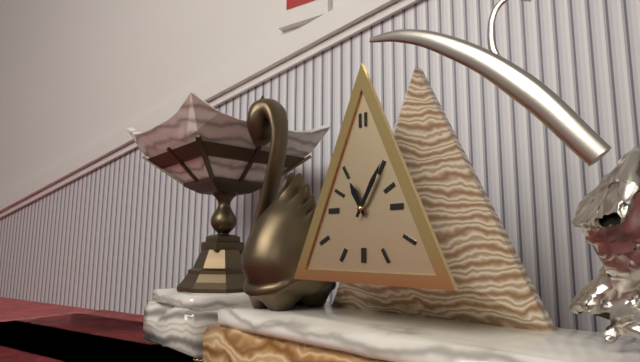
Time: {"hour": 11, "minute": 5}
